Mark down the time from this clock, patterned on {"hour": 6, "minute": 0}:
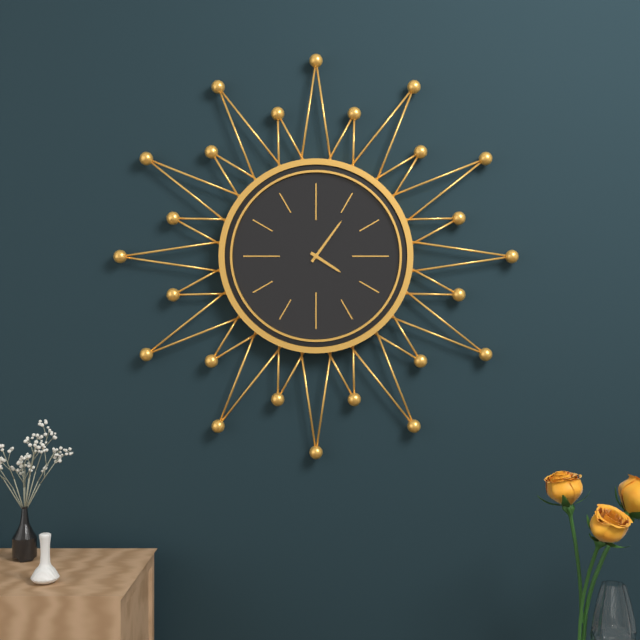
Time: {"hour": 4, "minute": 6}
